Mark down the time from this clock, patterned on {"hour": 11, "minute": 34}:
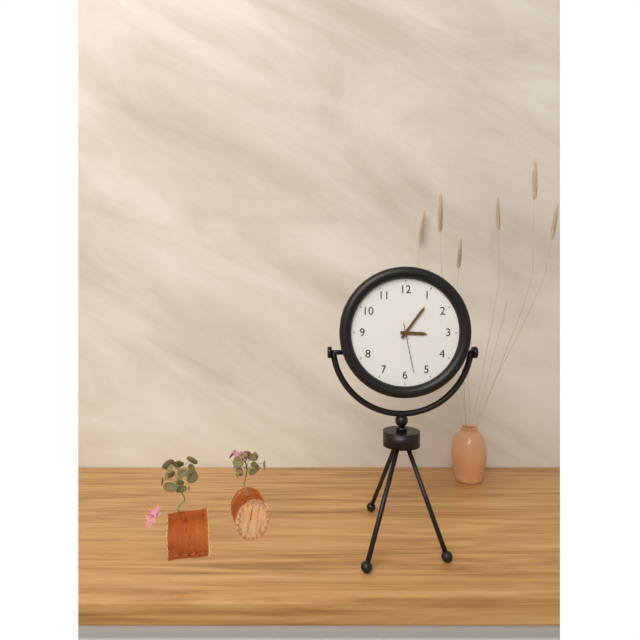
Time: {"hour": 3, "minute": 6}
